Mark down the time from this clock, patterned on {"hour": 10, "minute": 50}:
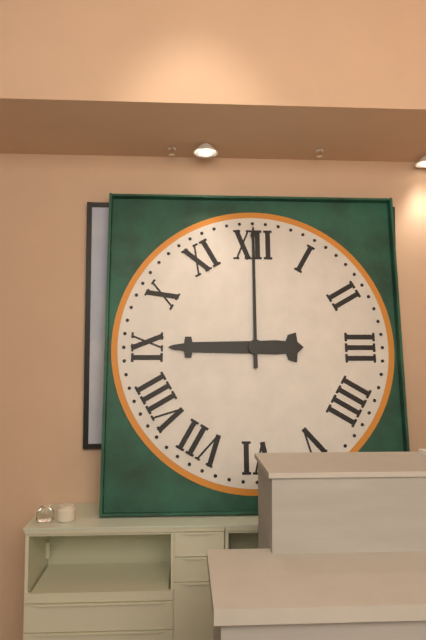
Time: {"hour": 9, "minute": 0}
